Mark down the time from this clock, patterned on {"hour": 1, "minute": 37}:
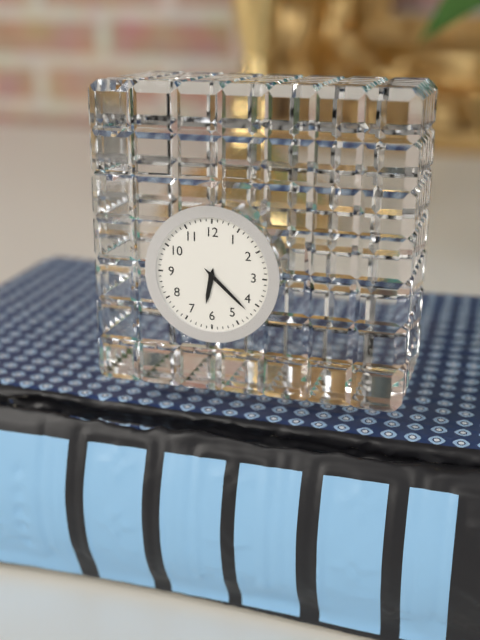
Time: {"hour": 6, "minute": 22}
